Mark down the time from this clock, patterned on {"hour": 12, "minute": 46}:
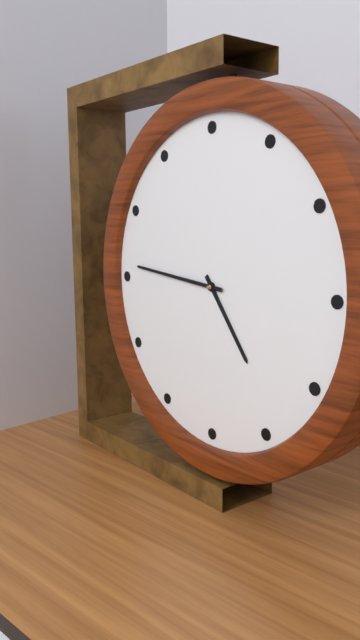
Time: {"hour": 4, "minute": 46}
